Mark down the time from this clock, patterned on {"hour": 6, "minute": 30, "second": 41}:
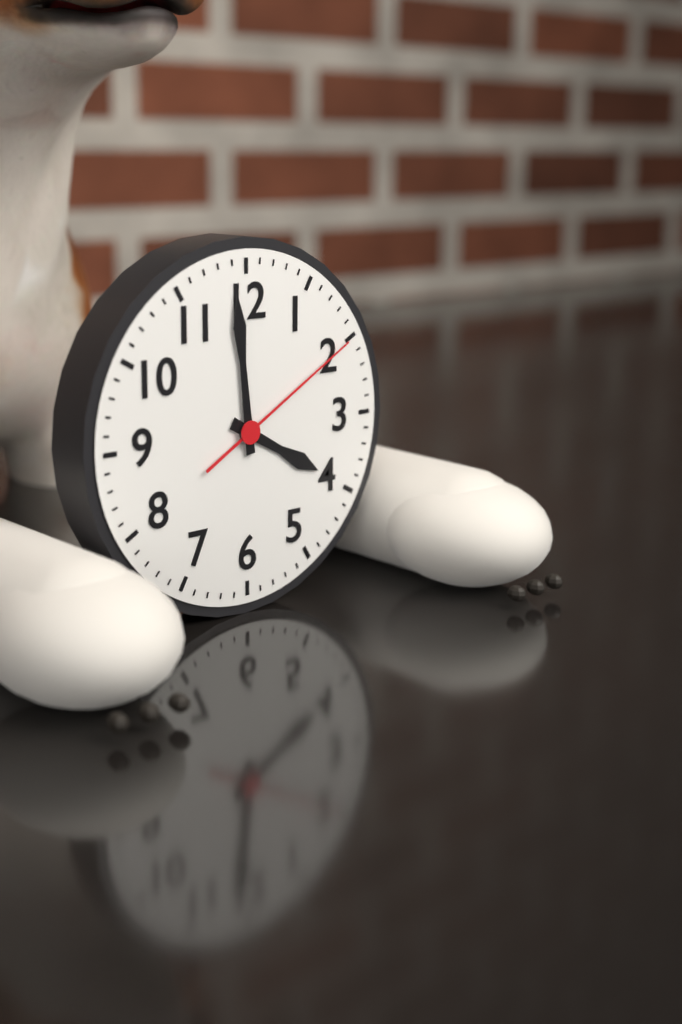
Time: {"hour": 3, "minute": 59, "second": 10}
